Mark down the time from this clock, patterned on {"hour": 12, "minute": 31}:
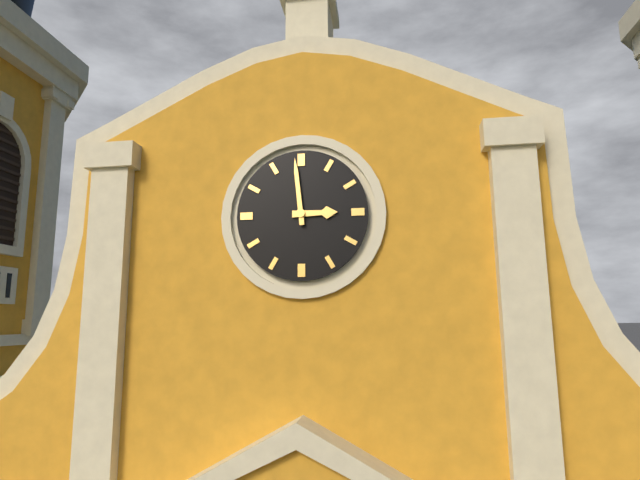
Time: {"hour": 2, "minute": 59}
